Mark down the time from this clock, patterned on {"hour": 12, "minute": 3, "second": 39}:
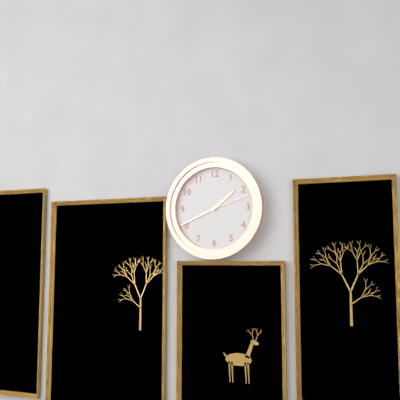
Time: {"hour": 1, "minute": 41, "second": 12}
